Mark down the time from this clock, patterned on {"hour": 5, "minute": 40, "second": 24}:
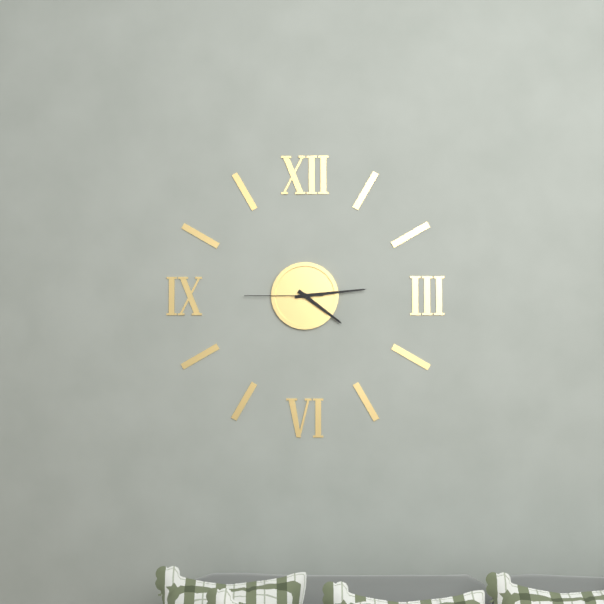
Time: {"hour": 4, "minute": 14, "second": 45}
